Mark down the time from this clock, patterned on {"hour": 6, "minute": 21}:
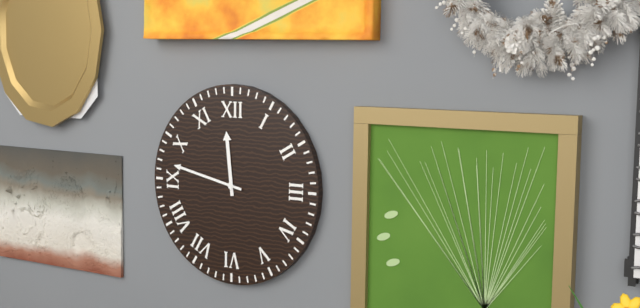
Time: {"hour": 11, "minute": 47}
